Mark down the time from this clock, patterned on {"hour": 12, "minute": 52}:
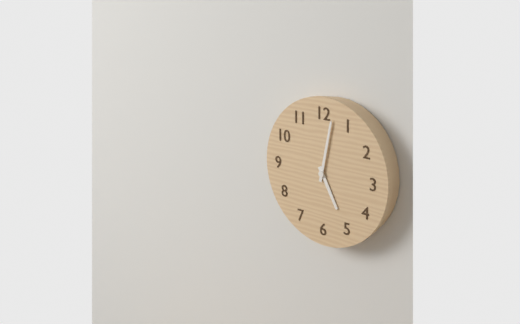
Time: {"hour": 5, "minute": 2}
